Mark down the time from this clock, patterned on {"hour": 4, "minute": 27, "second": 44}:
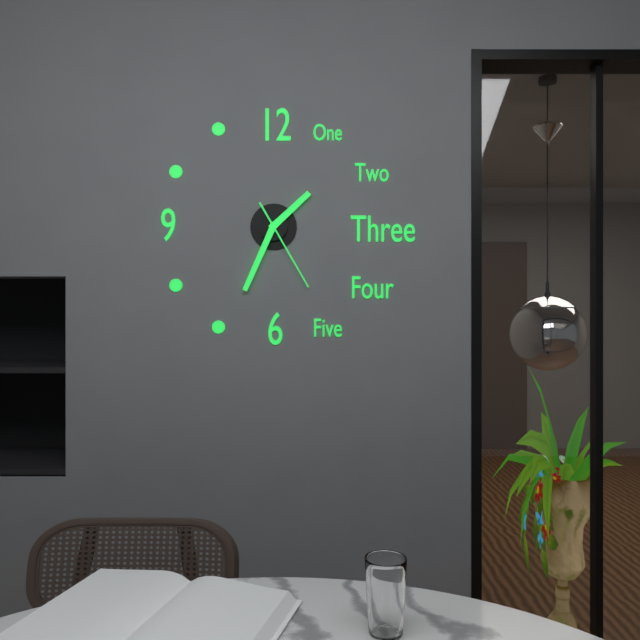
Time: {"hour": 1, "minute": 34, "second": 25}
